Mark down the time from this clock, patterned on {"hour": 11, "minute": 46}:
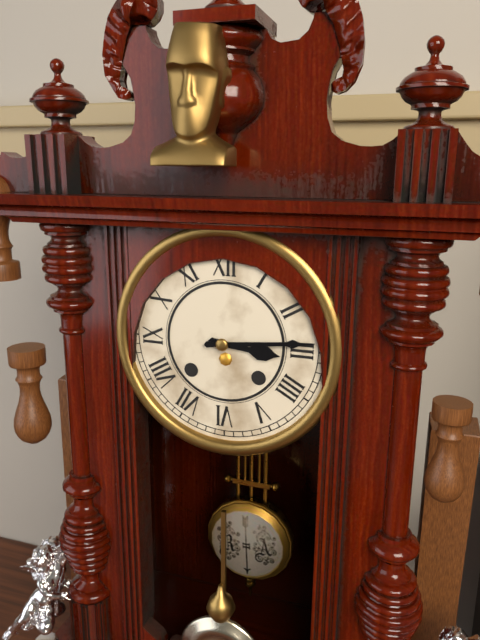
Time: {"hour": 3, "minute": 14}
